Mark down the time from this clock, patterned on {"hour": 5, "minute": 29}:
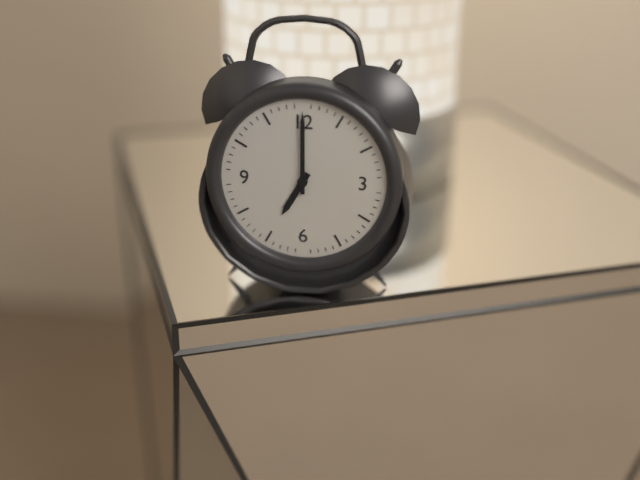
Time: {"hour": 7, "minute": 0}
